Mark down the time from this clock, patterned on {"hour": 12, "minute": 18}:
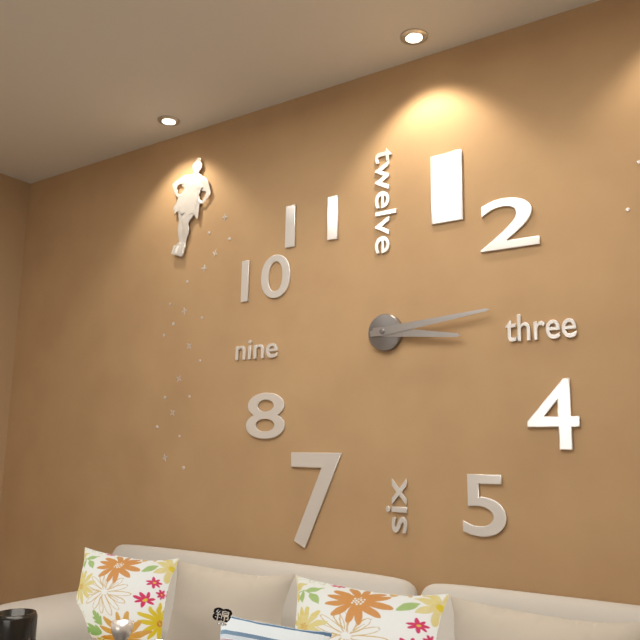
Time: {"hour": 3, "minute": 14}
